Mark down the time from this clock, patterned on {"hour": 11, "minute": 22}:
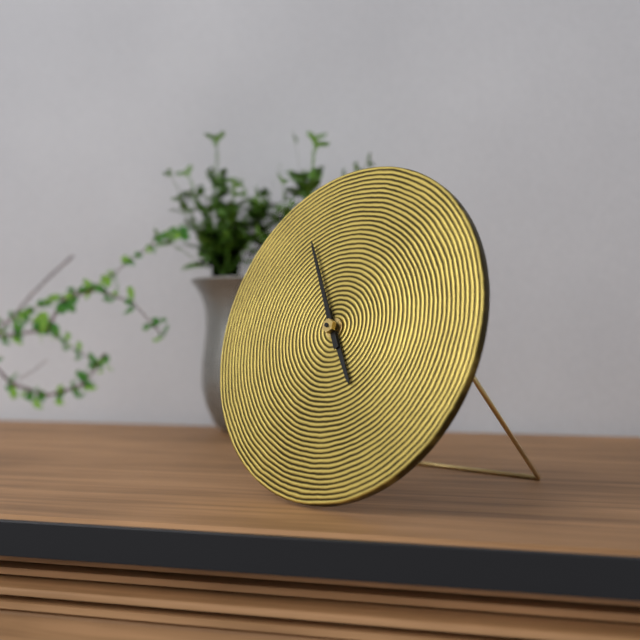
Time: {"hour": 4, "minute": 55}
